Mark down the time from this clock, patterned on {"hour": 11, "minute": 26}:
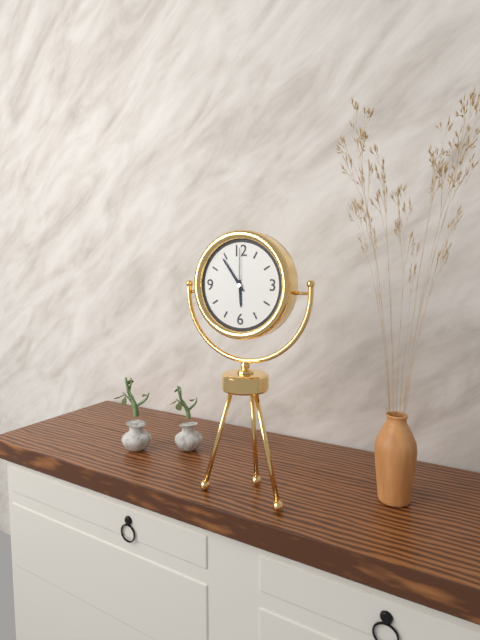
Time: {"hour": 5, "minute": 54}
